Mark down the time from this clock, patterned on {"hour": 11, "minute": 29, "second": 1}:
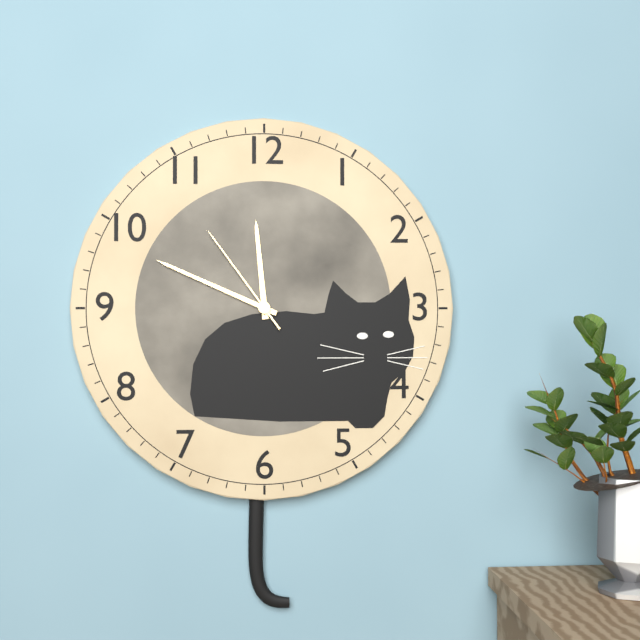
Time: {"hour": 11, "minute": 49, "second": 54}
